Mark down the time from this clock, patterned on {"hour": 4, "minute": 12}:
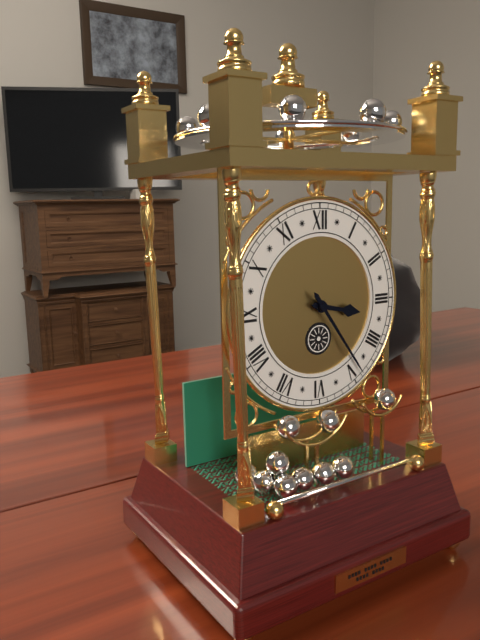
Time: {"hour": 3, "minute": 24}
